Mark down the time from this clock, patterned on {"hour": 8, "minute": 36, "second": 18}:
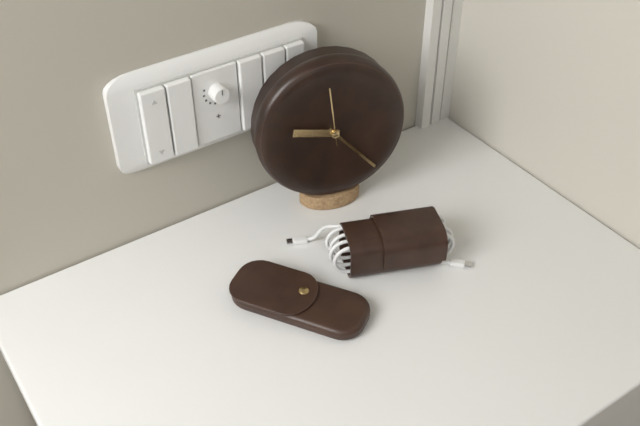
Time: {"hour": 9, "minute": 23, "second": 59}
